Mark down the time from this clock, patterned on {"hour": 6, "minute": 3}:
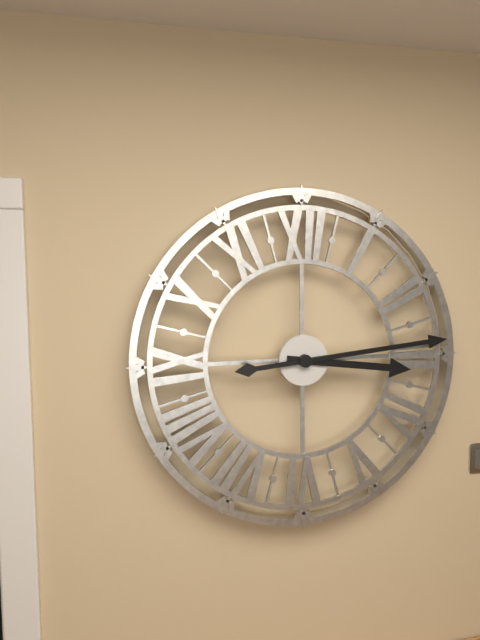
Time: {"hour": 3, "minute": 14}
